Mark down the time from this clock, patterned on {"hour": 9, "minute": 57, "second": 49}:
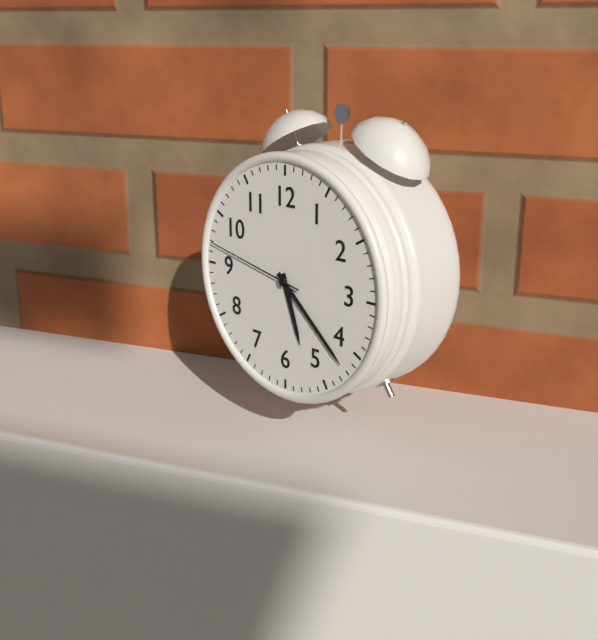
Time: {"hour": 5, "minute": 22, "second": 47}
